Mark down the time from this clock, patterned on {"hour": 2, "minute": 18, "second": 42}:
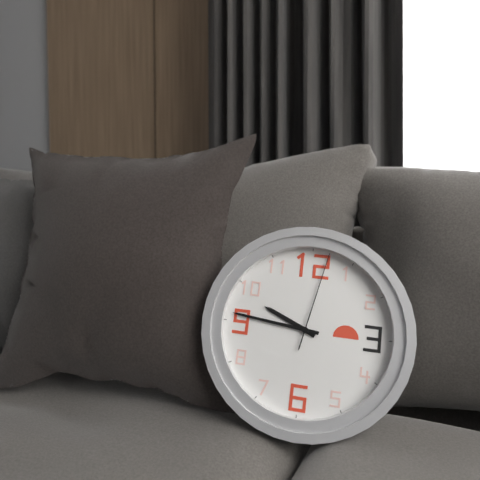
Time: {"hour": 9, "minute": 46, "second": 2}
